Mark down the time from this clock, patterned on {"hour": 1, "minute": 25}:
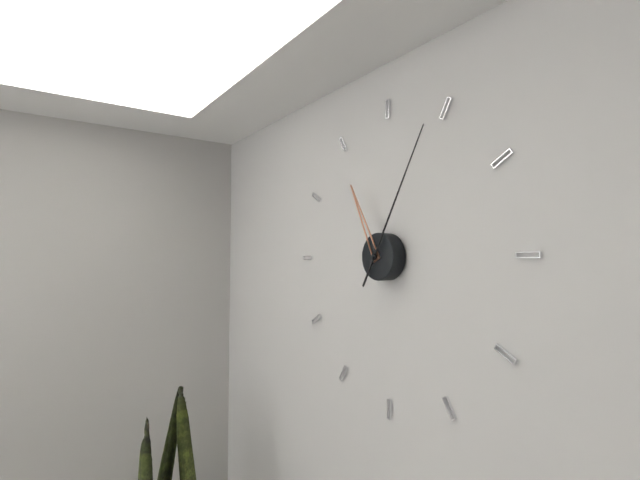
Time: {"hour": 11, "minute": 5}
